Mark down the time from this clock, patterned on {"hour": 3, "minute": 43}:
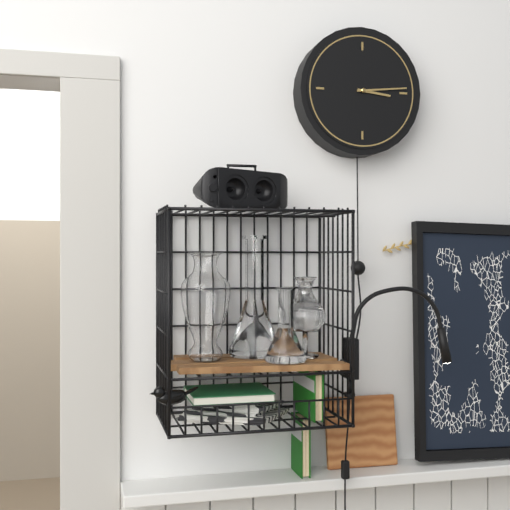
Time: {"hour": 3, "minute": 14}
